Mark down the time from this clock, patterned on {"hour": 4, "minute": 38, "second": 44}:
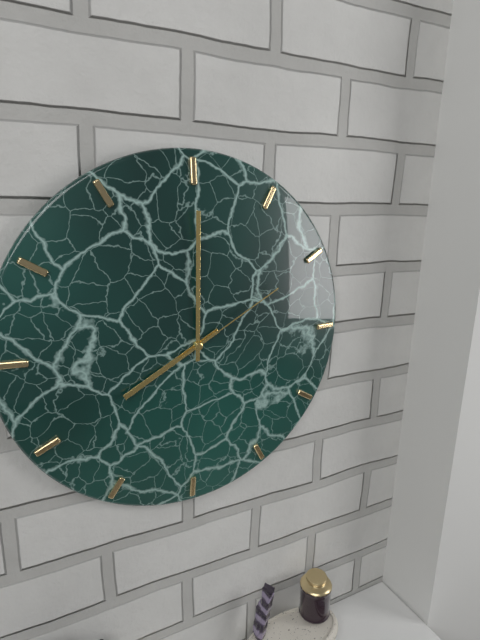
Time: {"hour": 8, "minute": 0, "second": 10}
